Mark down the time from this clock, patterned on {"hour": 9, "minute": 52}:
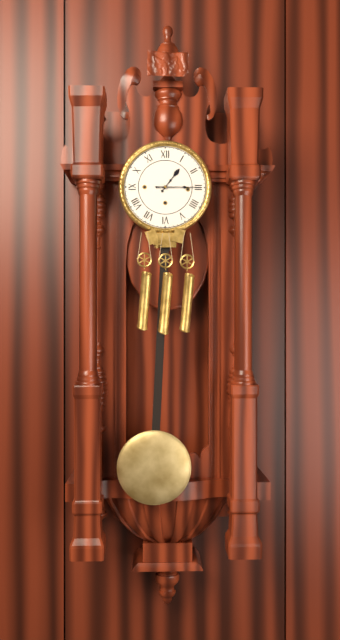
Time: {"hour": 1, "minute": 15}
